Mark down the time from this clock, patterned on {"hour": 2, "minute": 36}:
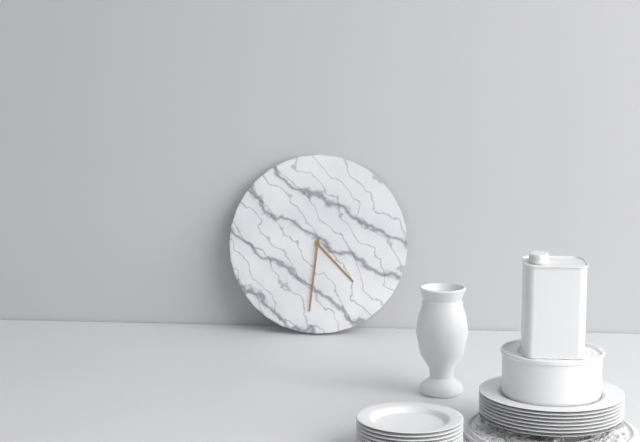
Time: {"hour": 4, "minute": 31}
